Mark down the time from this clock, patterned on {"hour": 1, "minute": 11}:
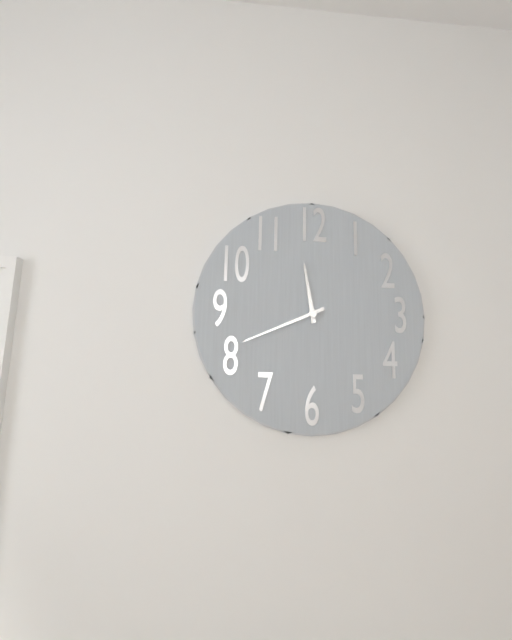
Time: {"hour": 11, "minute": 41}
